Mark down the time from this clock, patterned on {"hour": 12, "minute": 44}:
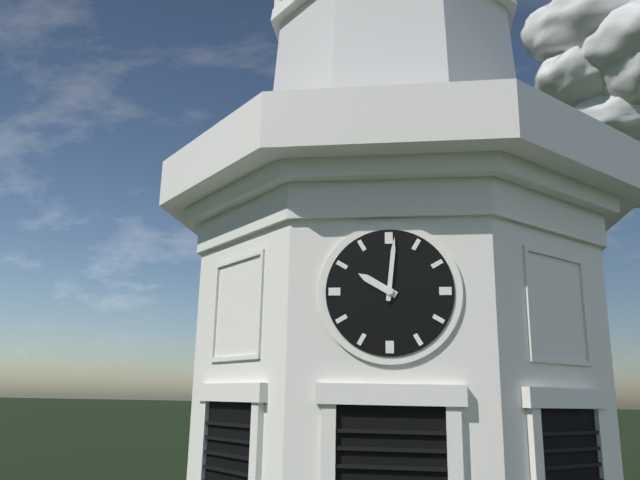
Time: {"hour": 10, "minute": 1}
